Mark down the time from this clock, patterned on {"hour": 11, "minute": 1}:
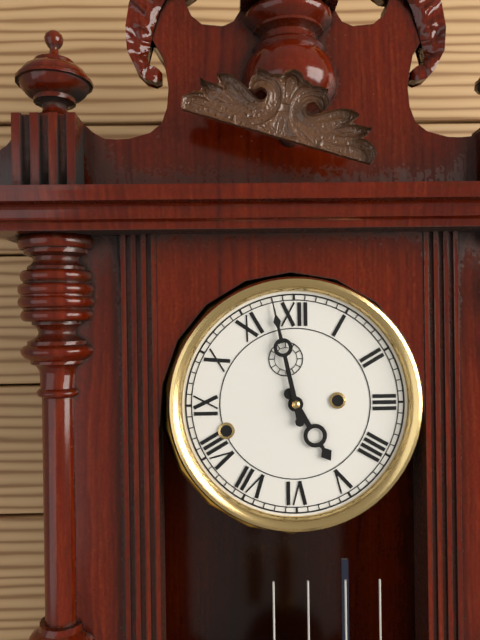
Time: {"hour": 4, "minute": 58}
